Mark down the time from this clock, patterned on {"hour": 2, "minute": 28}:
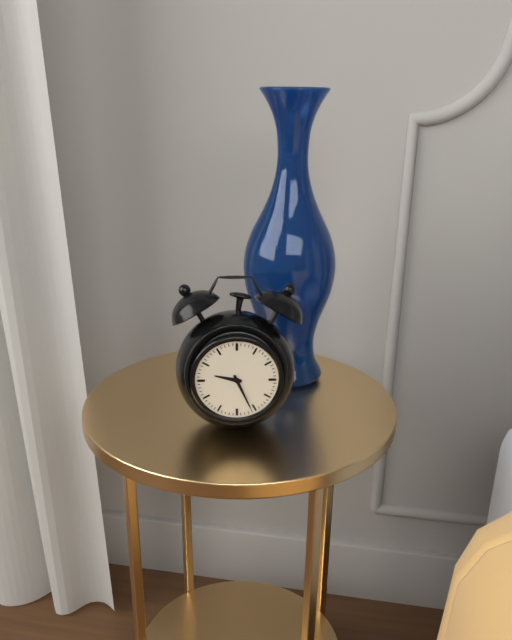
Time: {"hour": 9, "minute": 26}
